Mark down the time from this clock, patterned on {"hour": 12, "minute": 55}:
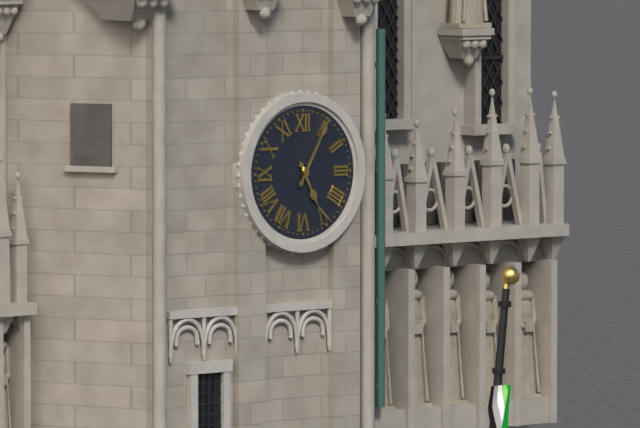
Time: {"hour": 5, "minute": 5}
